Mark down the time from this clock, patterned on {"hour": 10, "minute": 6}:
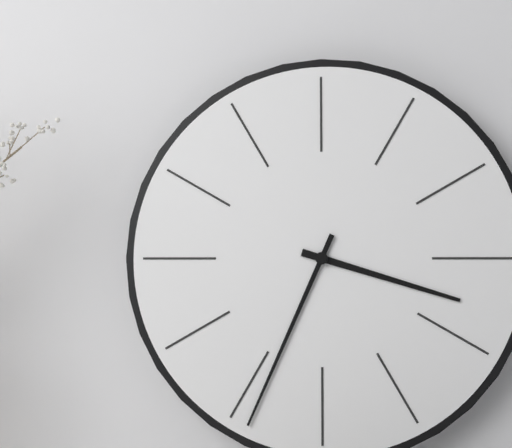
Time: {"hour": 3, "minute": 34}
